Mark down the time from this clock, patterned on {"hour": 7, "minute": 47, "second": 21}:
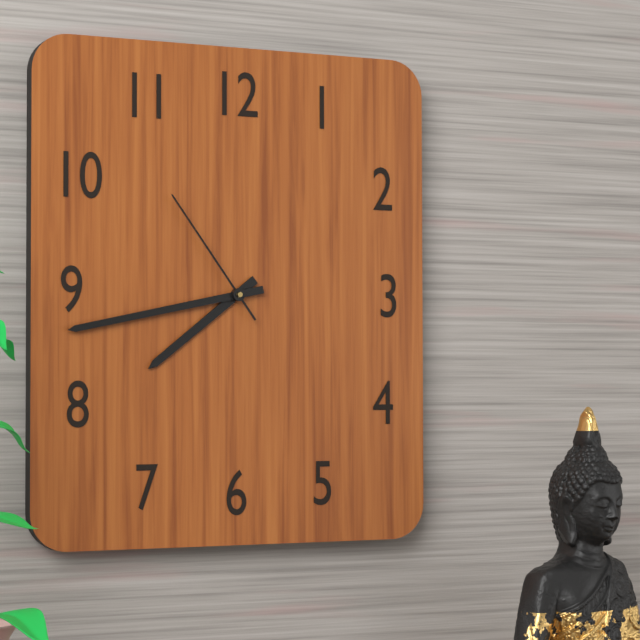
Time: {"hour": 7, "minute": 43, "second": 54}
